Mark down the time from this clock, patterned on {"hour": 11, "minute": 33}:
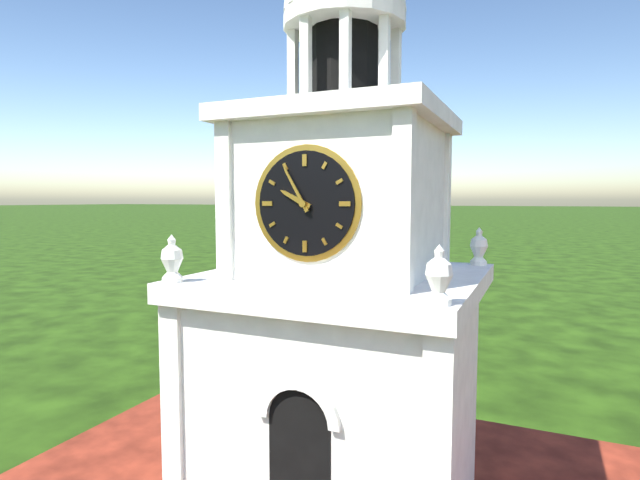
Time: {"hour": 9, "minute": 55}
